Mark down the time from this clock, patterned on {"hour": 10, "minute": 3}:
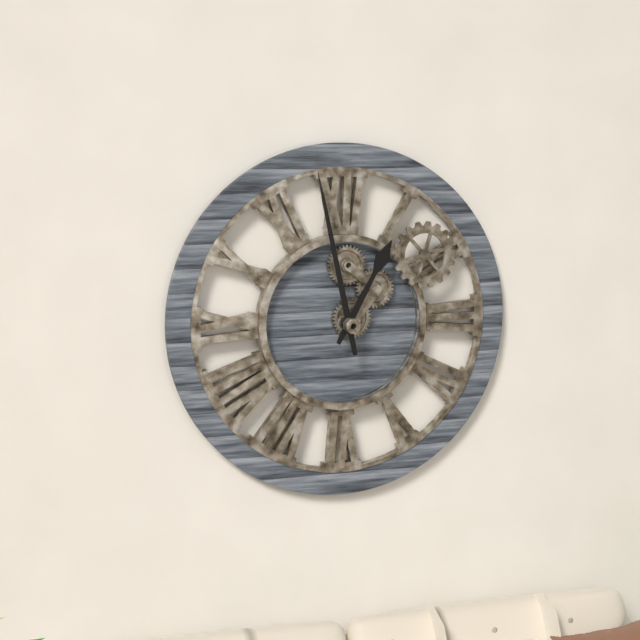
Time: {"hour": 12, "minute": 58}
